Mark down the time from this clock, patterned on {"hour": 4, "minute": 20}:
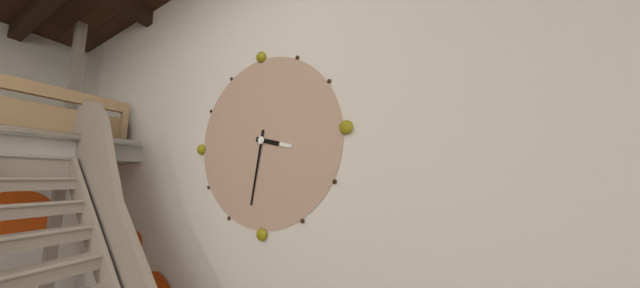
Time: {"hour": 3, "minute": 32}
